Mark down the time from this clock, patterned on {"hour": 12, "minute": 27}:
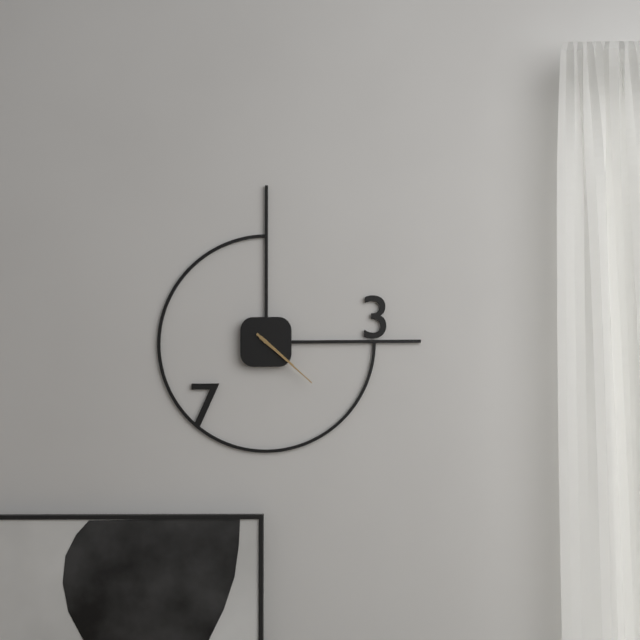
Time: {"hour": 4, "minute": 22}
